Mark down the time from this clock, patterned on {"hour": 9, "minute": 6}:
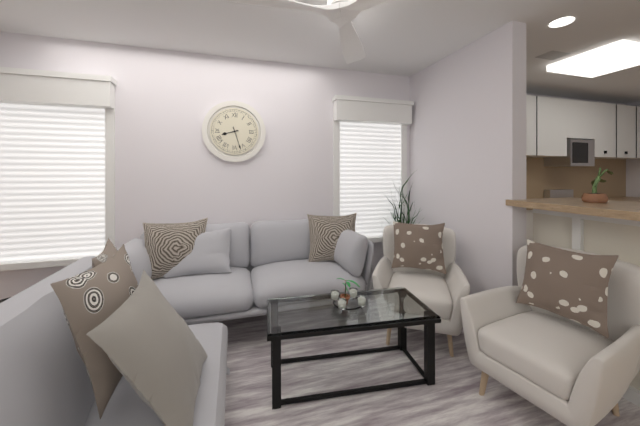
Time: {"hour": 8, "minute": 27}
